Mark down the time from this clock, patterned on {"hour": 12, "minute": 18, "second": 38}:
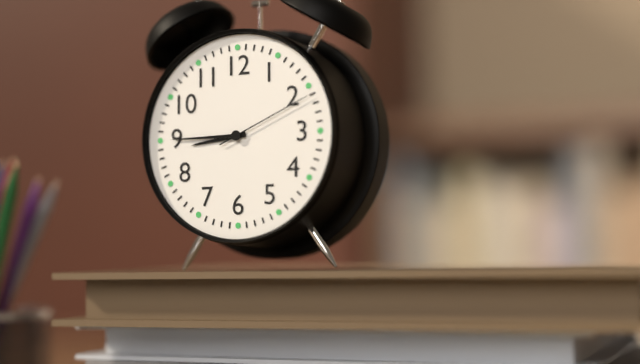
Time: {"hour": 8, "minute": 45, "second": 11}
